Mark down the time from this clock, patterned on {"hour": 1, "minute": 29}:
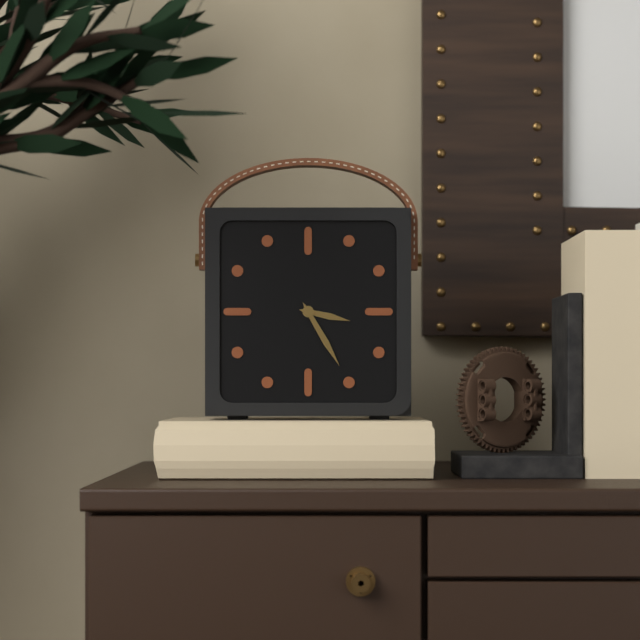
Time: {"hour": 3, "minute": 25}
